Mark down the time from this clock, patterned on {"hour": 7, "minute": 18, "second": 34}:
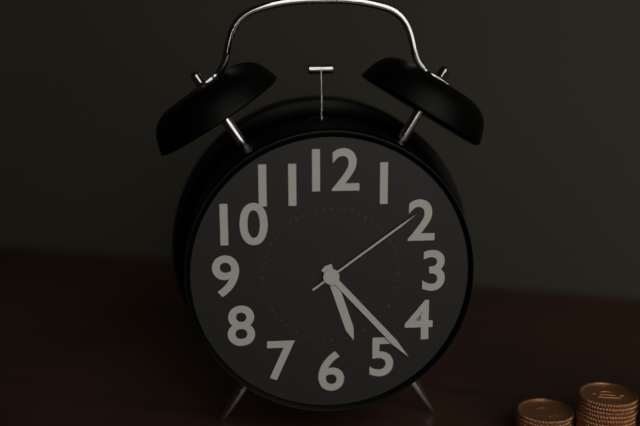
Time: {"hour": 5, "minute": 23, "second": 9}
